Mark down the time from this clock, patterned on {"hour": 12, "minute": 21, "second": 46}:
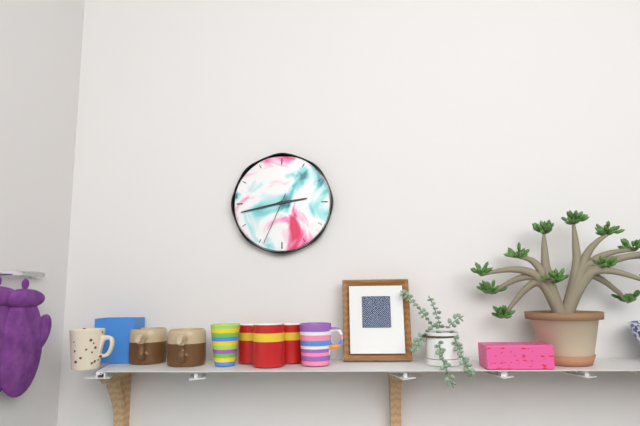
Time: {"hour": 2, "minute": 43, "second": 34}
